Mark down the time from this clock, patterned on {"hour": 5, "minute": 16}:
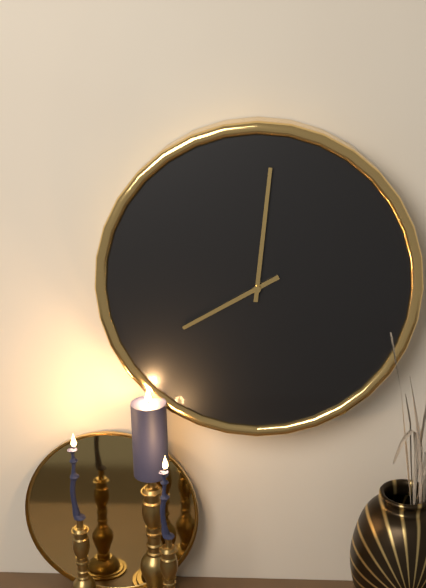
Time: {"hour": 8, "minute": 1}
